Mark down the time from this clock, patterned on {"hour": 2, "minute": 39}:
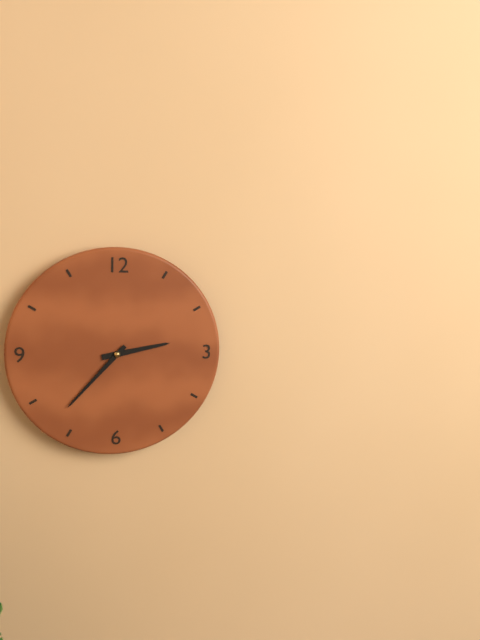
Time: {"hour": 2, "minute": 37}
